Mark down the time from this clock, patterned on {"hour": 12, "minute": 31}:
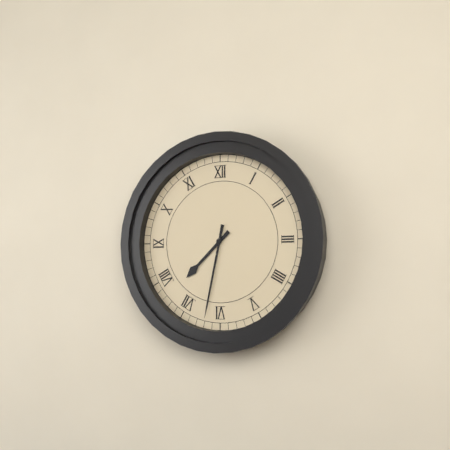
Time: {"hour": 7, "minute": 32}
